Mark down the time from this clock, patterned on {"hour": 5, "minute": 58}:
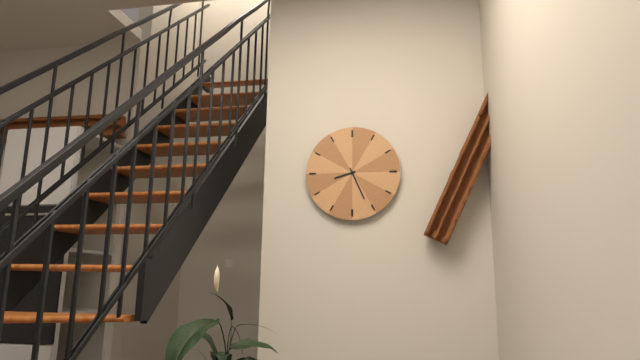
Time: {"hour": 8, "minute": 26}
